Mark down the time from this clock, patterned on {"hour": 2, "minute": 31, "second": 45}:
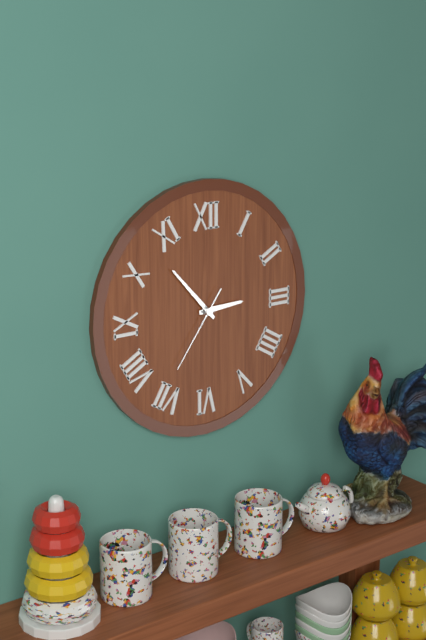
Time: {"hour": 2, "minute": 53, "second": 36}
